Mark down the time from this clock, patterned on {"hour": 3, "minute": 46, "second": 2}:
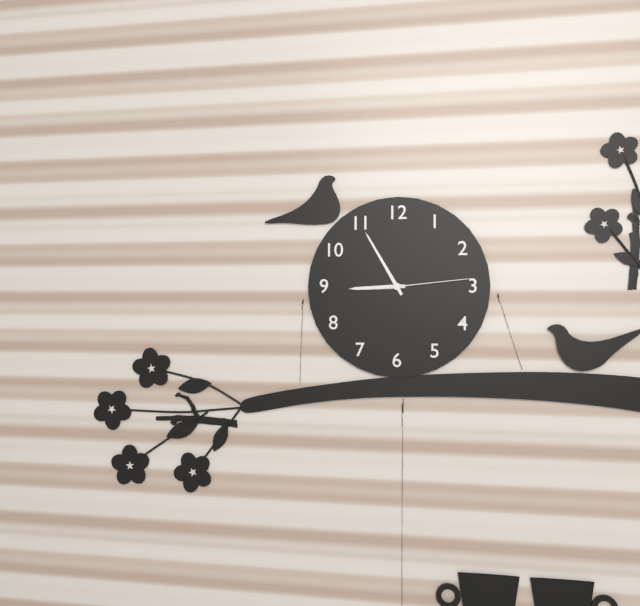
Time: {"hour": 8, "minute": 55, "second": 14}
